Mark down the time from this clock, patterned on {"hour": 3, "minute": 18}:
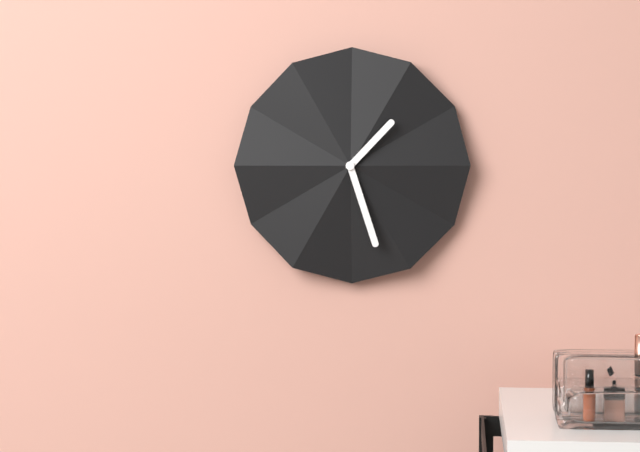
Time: {"hour": 1, "minute": 27}
